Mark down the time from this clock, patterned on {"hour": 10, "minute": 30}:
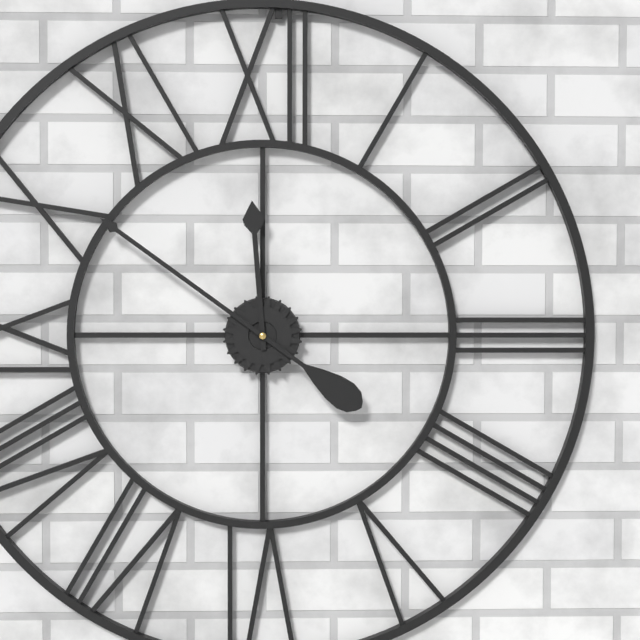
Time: {"hour": 11, "minute": 51}
